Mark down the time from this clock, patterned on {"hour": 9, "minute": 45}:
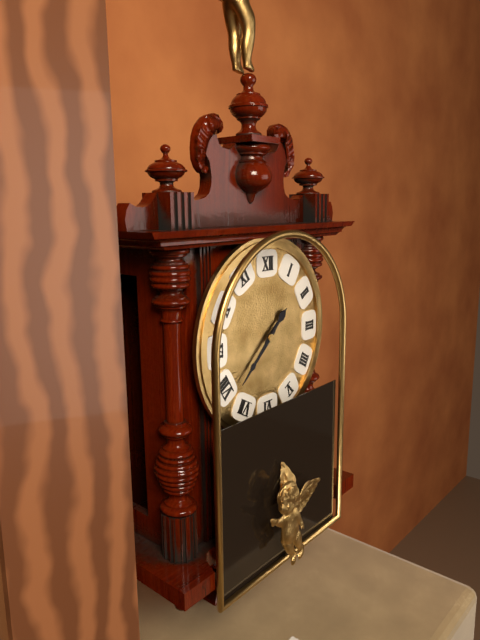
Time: {"hour": 1, "minute": 38}
